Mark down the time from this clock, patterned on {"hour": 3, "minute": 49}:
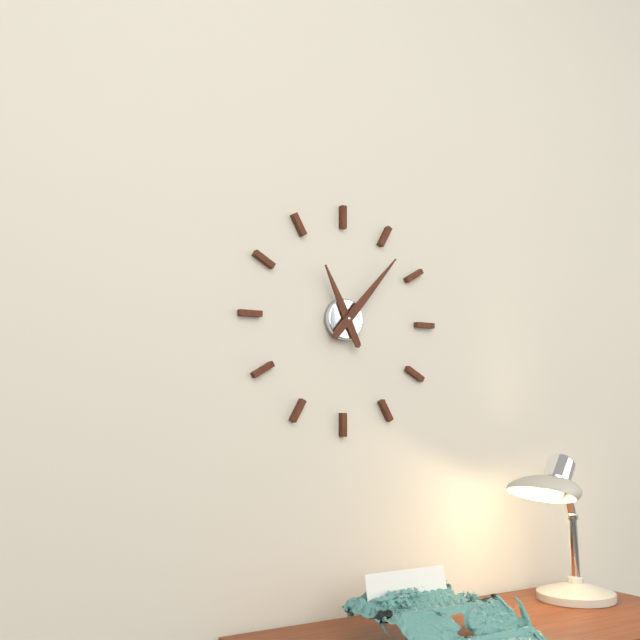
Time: {"hour": 11, "minute": 7}
